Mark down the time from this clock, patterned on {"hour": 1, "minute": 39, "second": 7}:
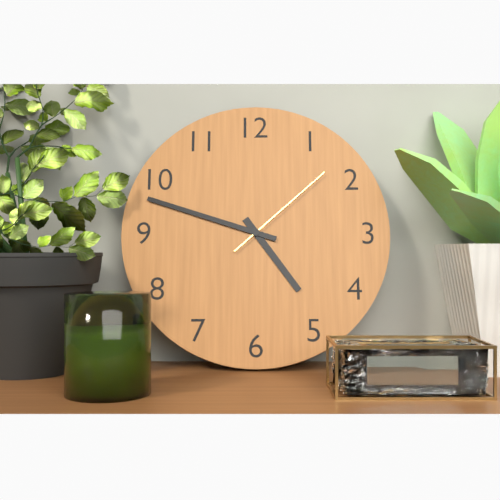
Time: {"hour": 4, "minute": 48, "second": 8}
